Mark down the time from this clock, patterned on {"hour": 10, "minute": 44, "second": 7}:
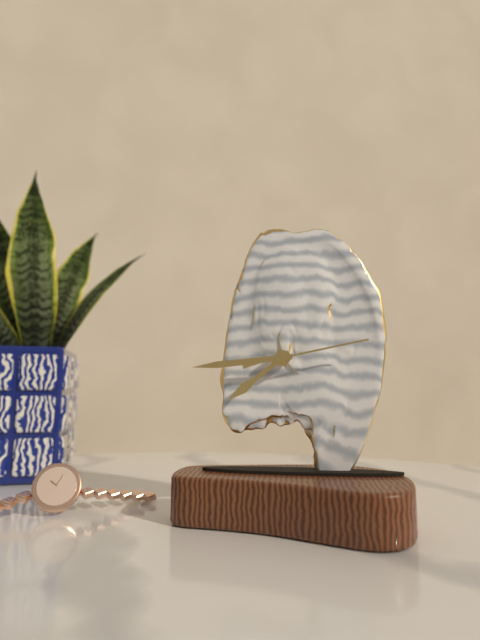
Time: {"hour": 7, "minute": 44, "second": 13}
